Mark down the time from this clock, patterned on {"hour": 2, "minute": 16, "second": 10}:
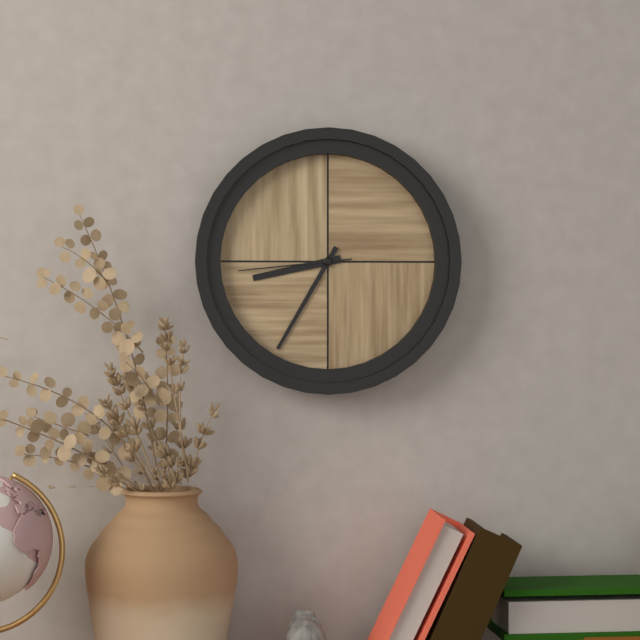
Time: {"hour": 8, "minute": 35, "second": 44}
